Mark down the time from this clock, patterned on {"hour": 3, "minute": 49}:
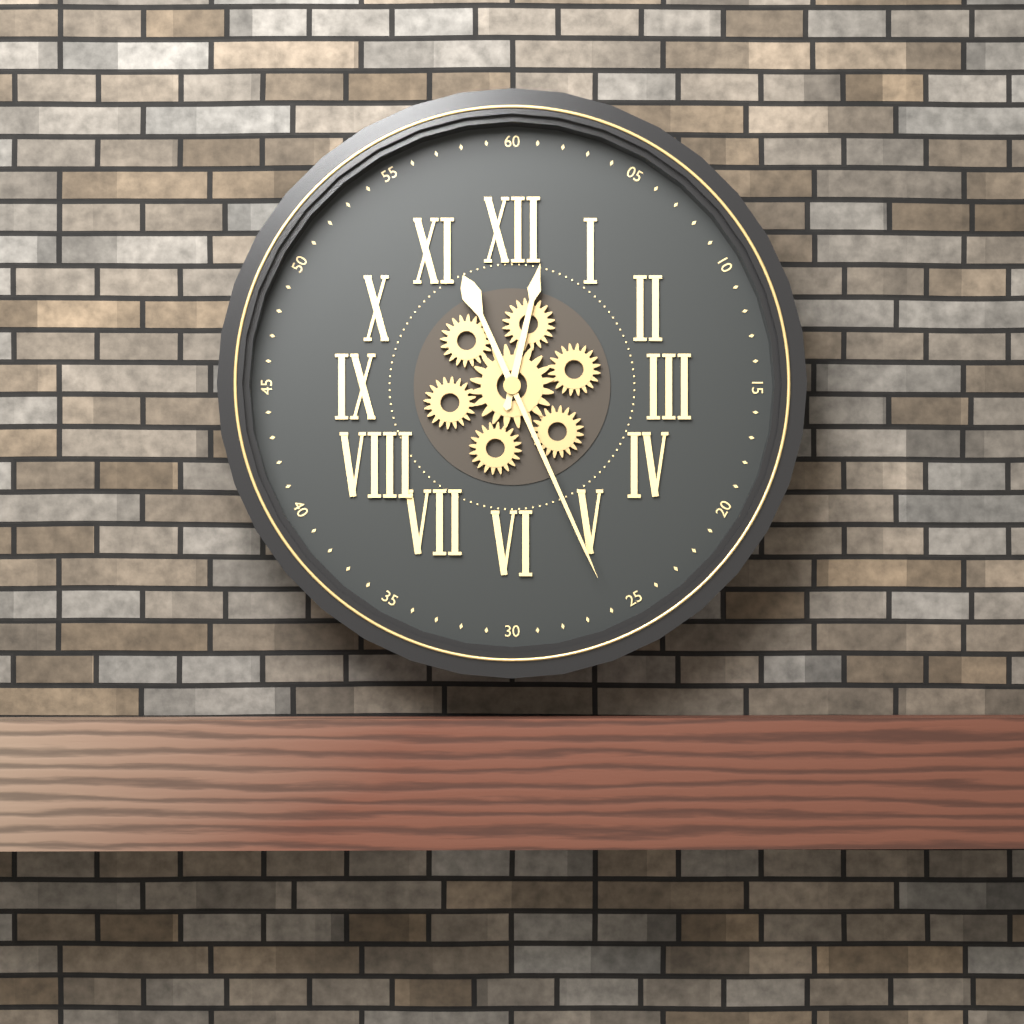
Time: {"hour": 12, "minute": 26}
